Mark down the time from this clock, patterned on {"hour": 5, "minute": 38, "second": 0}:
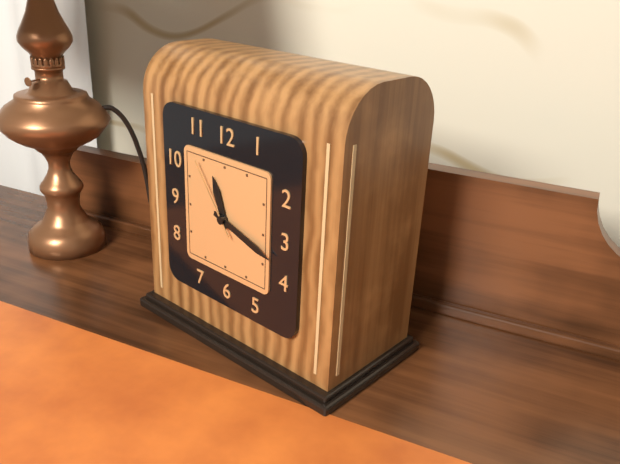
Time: {"hour": 11, "minute": 18, "second": 54}
